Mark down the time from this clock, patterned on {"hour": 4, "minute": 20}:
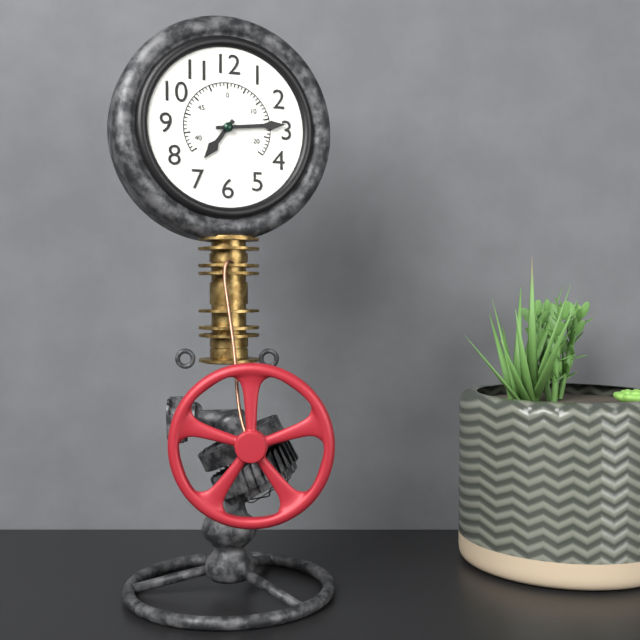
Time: {"hour": 7, "minute": 14}
